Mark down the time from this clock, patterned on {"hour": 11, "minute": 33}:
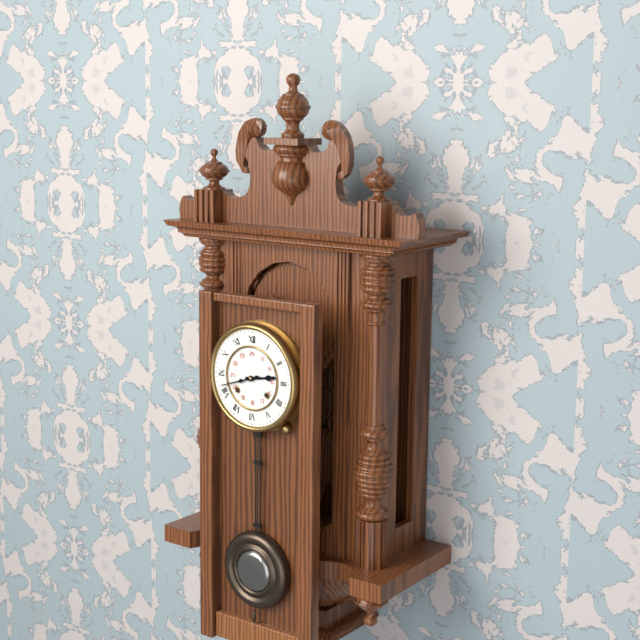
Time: {"hour": 2, "minute": 42}
